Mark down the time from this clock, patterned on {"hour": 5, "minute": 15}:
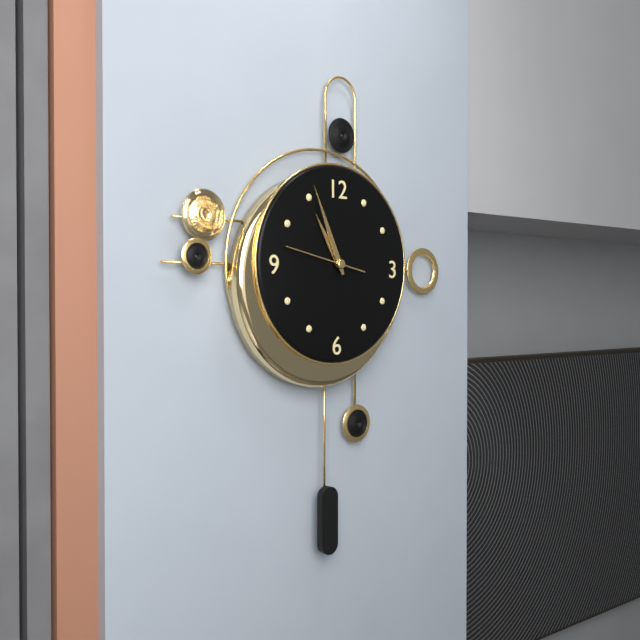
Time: {"hour": 10, "minute": 56}
